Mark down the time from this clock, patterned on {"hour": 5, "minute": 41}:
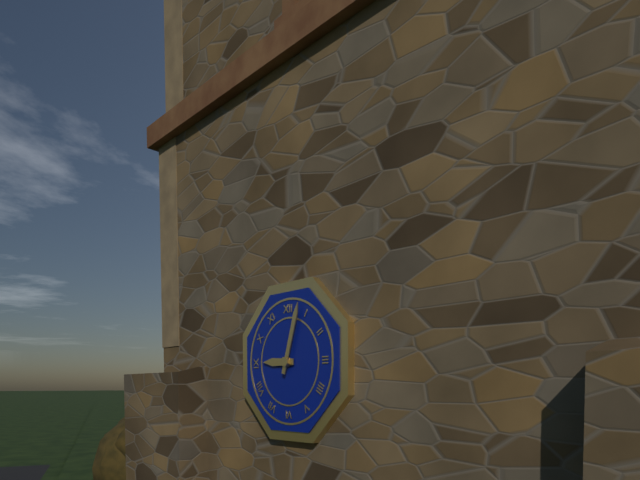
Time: {"hour": 9, "minute": 3}
